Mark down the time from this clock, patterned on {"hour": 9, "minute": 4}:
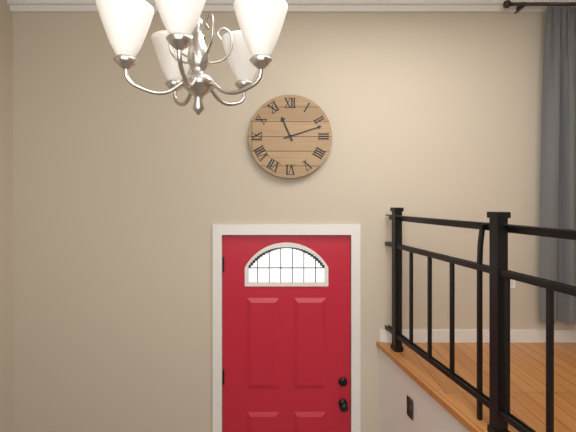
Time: {"hour": 11, "minute": 12}
